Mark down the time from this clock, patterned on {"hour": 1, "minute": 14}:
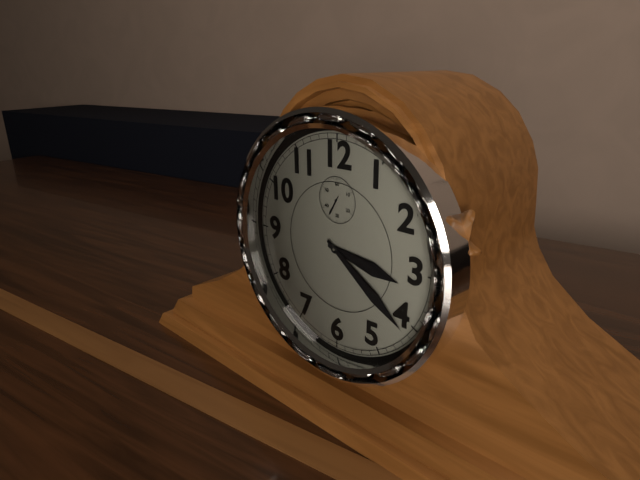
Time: {"hour": 3, "minute": 21}
